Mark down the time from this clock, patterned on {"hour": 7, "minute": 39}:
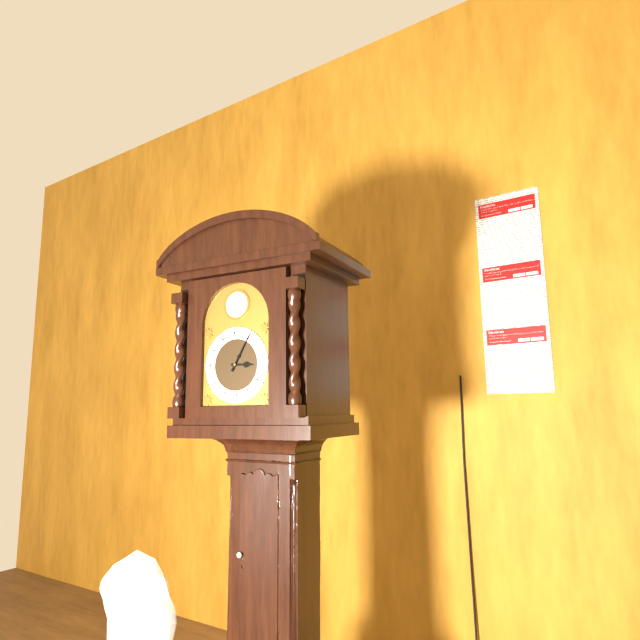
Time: {"hour": 3, "minute": 5}
